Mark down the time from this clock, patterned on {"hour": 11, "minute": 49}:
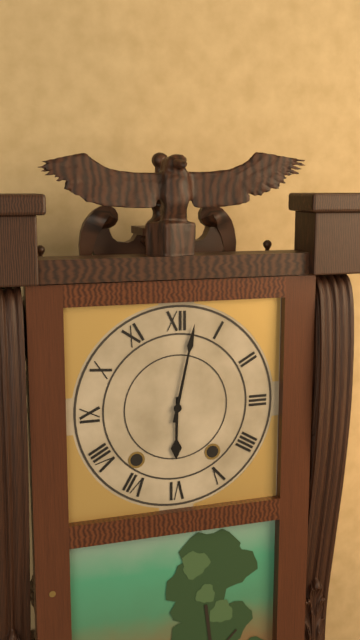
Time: {"hour": 6, "minute": 2}
